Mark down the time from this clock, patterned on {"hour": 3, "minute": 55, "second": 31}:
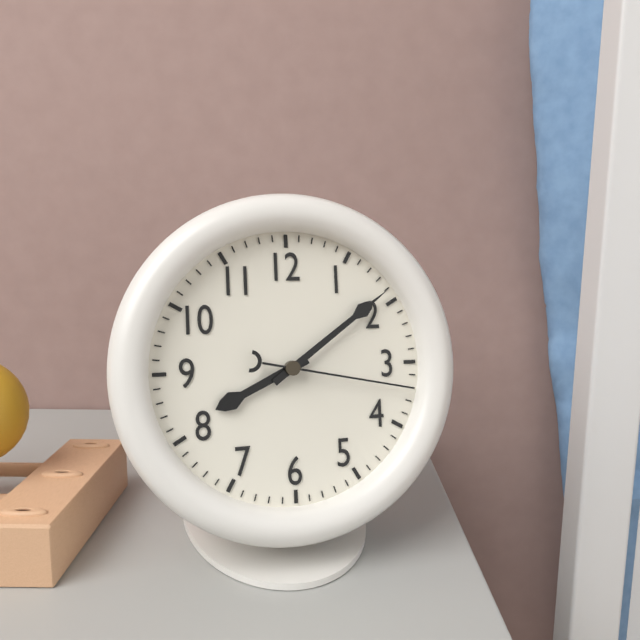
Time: {"hour": 8, "minute": 9, "second": 17}
